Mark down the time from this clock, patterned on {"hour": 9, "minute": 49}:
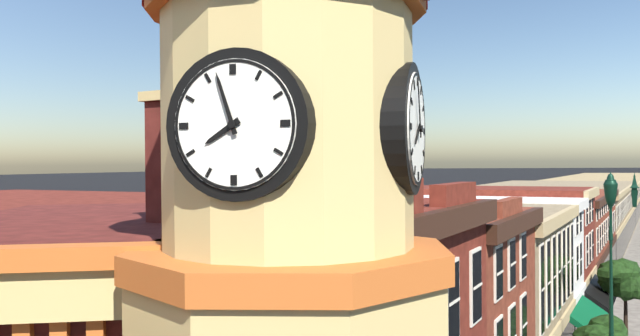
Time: {"hour": 7, "minute": 57}
